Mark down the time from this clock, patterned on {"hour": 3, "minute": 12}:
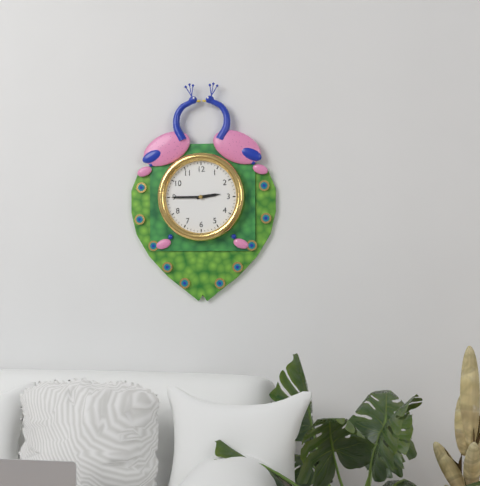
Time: {"hour": 2, "minute": 45}
